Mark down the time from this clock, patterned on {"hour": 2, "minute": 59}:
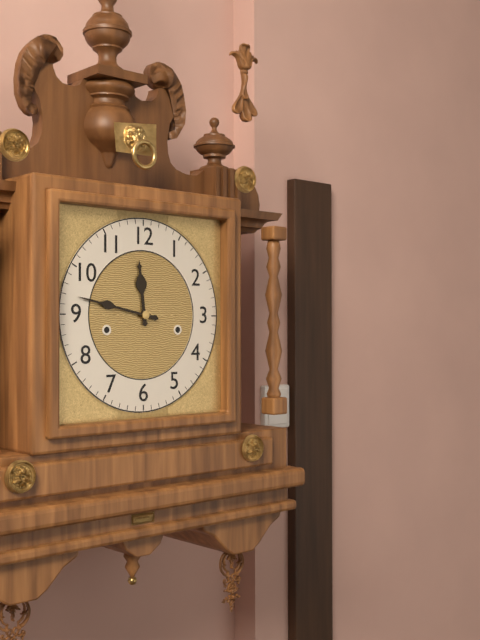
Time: {"hour": 11, "minute": 47}
